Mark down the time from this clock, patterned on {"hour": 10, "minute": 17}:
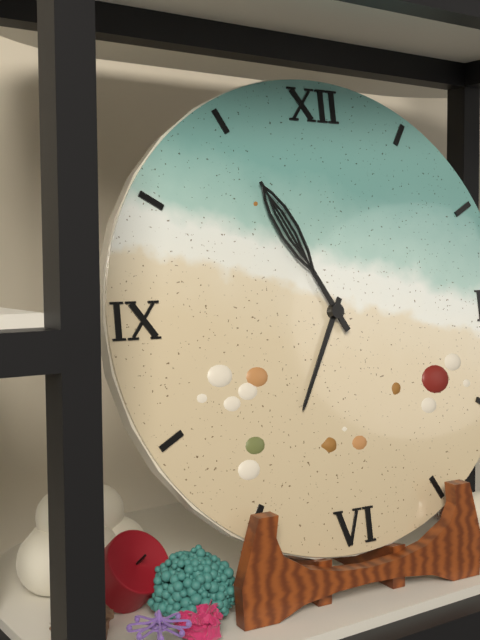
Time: {"hour": 6, "minute": 55}
